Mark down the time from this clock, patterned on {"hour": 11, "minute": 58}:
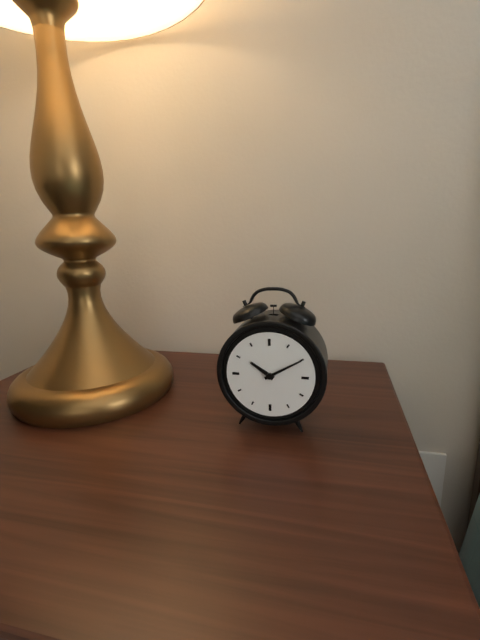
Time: {"hour": 10, "minute": 10}
